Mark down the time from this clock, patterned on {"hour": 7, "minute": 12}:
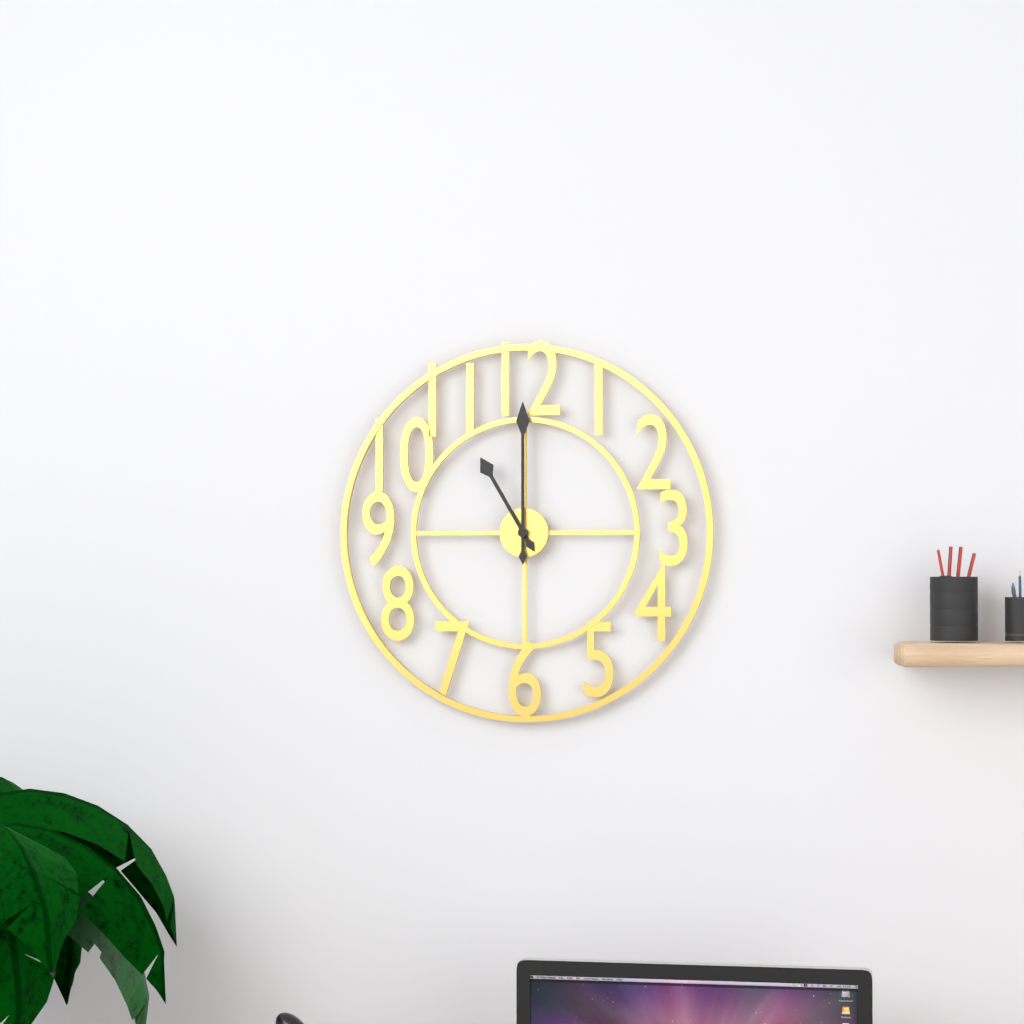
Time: {"hour": 11, "minute": 0}
